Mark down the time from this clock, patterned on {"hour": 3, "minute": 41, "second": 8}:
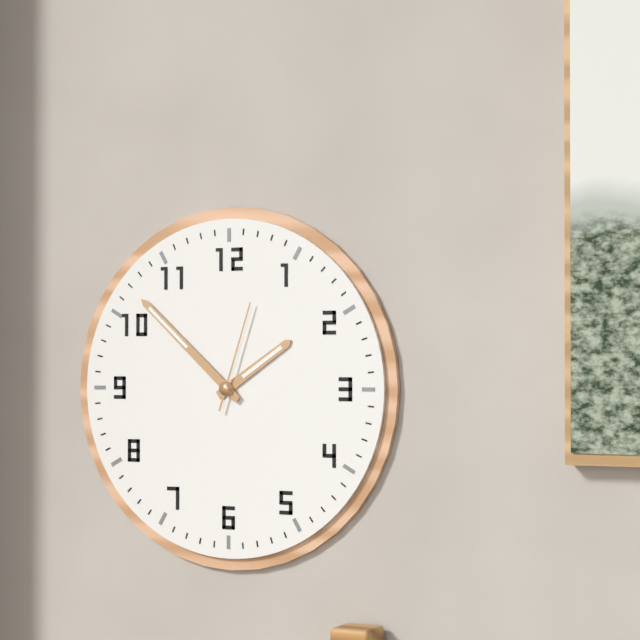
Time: {"hour": 1, "minute": 52, "second": 3}
